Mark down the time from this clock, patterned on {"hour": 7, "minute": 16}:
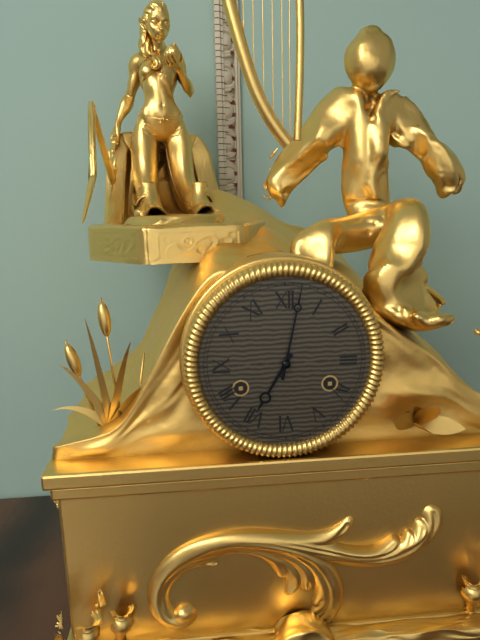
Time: {"hour": 7, "minute": 2}
